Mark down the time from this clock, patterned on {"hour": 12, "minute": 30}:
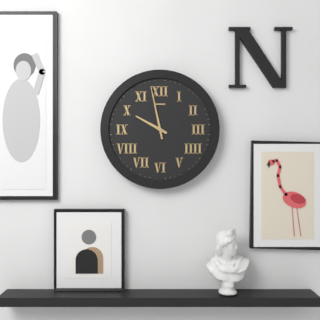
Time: {"hour": 9, "minute": 58}
